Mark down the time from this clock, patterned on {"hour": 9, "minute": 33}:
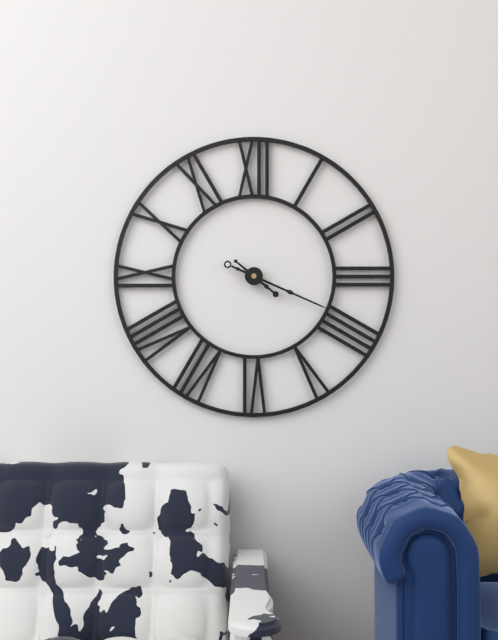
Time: {"hour": 4, "minute": 19}
